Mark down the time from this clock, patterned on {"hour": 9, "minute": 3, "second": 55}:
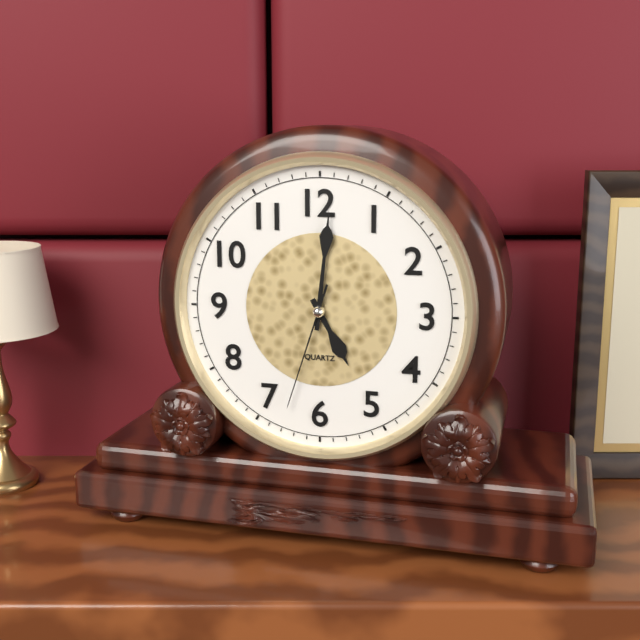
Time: {"hour": 5, "minute": 1, "second": 33}
